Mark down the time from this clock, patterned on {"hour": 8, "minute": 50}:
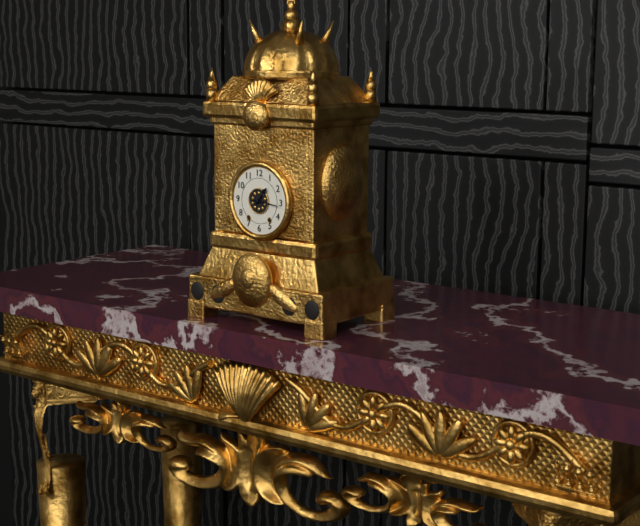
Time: {"hour": 1, "minute": 16}
